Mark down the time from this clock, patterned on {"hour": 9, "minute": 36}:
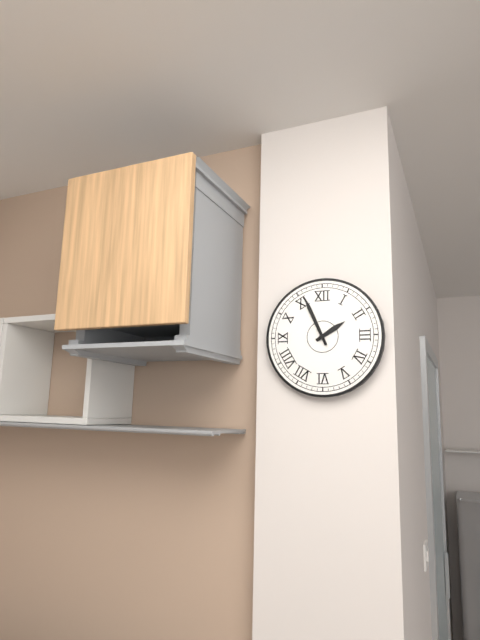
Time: {"hour": 1, "minute": 56}
